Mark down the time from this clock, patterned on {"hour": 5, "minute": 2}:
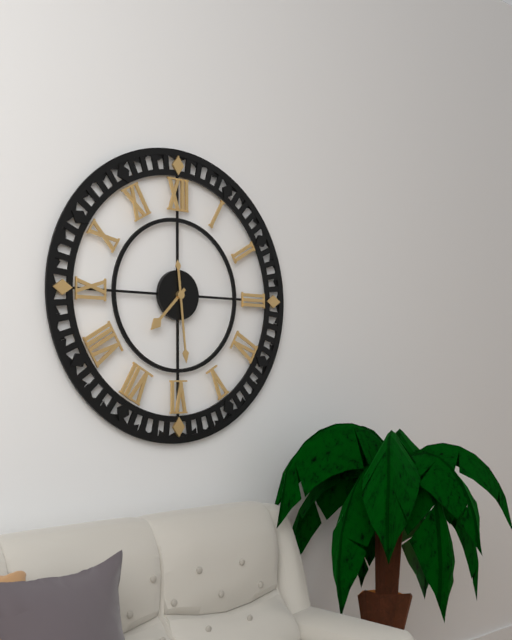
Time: {"hour": 7, "minute": 29}
